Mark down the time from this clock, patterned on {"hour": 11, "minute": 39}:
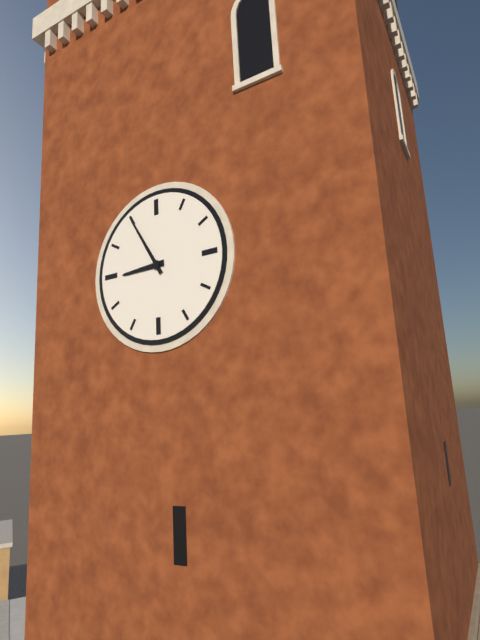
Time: {"hour": 8, "minute": 55}
